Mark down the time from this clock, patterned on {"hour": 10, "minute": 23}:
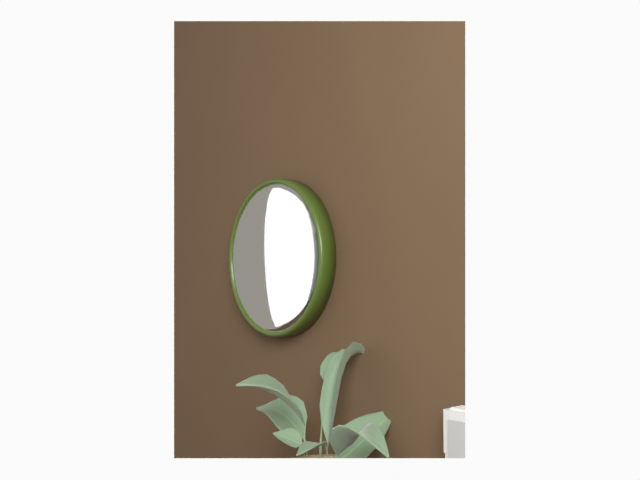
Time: {"hour": 1, "minute": 46}
